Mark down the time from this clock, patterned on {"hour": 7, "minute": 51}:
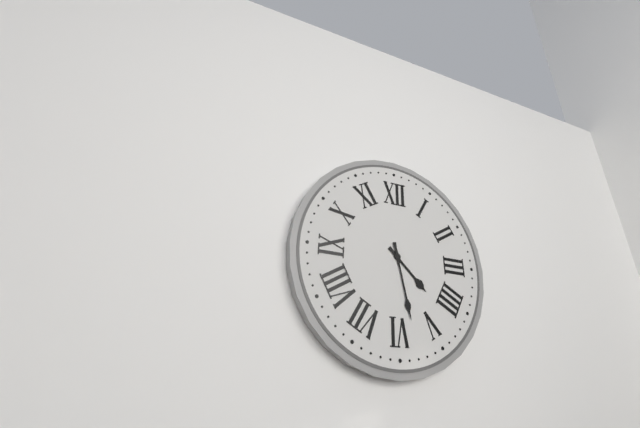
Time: {"hour": 4, "minute": 28}
